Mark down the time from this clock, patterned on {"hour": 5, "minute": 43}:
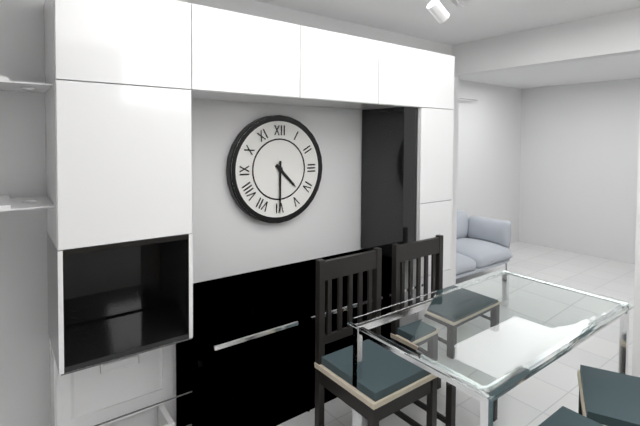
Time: {"hour": 4, "minute": 30}
